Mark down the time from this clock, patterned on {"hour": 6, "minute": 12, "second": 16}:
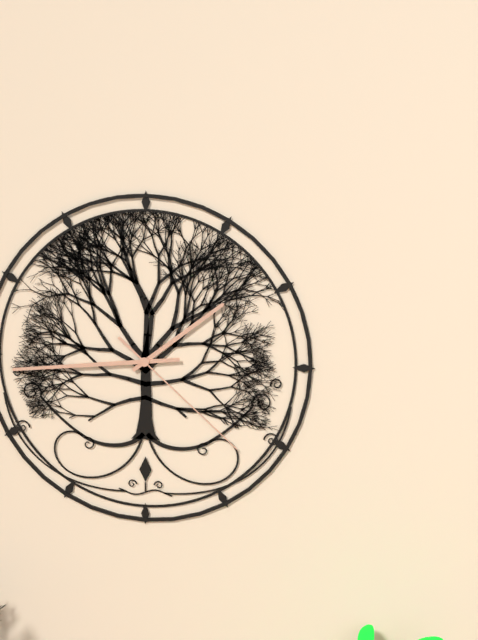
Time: {"hour": 1, "minute": 44, "second": 22}
